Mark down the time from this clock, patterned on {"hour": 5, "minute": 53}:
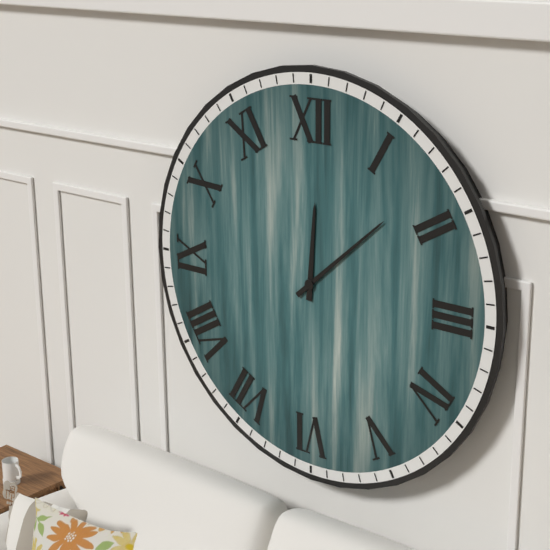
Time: {"hour": 12, "minute": 8}
